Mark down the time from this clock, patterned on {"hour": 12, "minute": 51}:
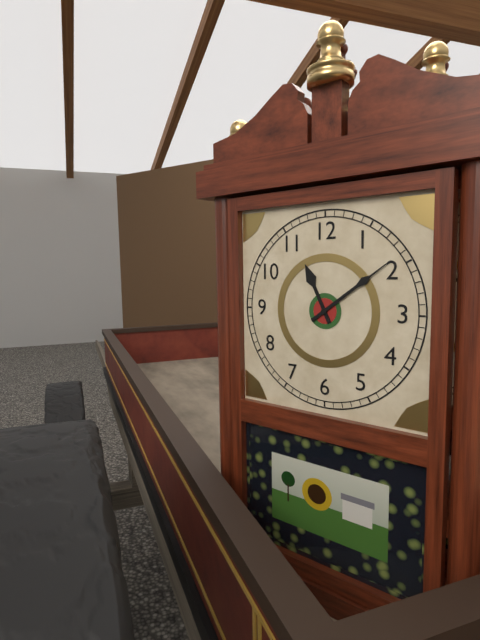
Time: {"hour": 11, "minute": 9}
